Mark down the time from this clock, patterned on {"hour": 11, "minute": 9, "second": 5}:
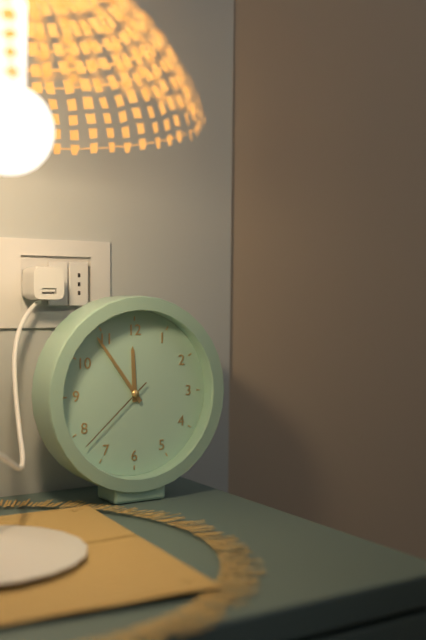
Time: {"hour": 11, "minute": 54, "second": 38}
